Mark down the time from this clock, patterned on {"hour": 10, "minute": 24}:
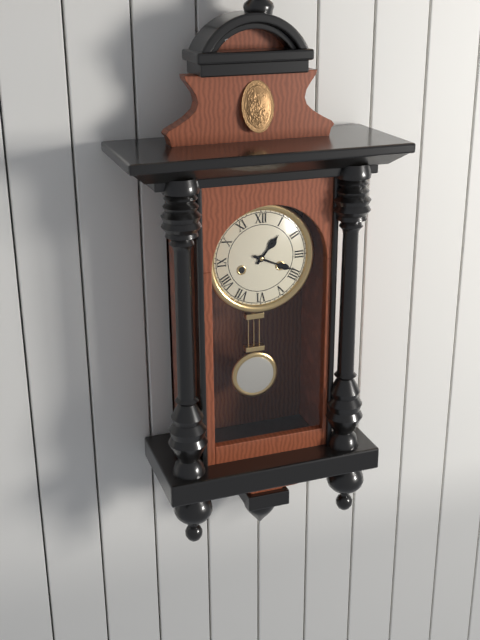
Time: {"hour": 1, "minute": 19}
